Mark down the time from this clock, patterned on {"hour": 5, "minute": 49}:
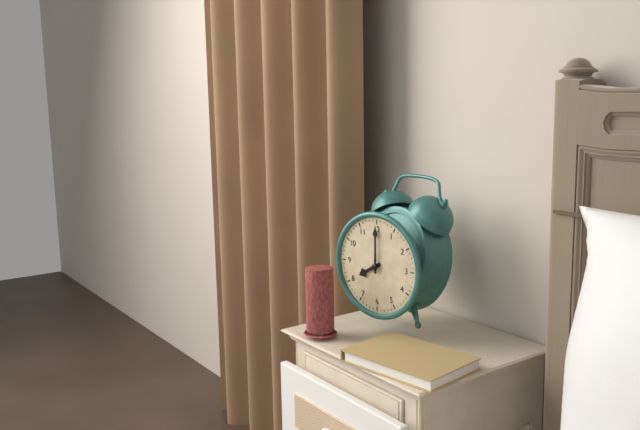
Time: {"hour": 8, "minute": 0}
